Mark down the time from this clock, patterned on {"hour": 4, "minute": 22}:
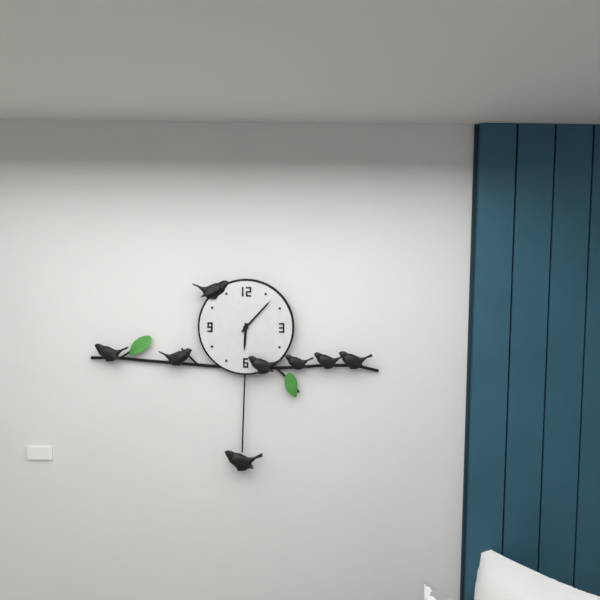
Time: {"hour": 6, "minute": 7}
